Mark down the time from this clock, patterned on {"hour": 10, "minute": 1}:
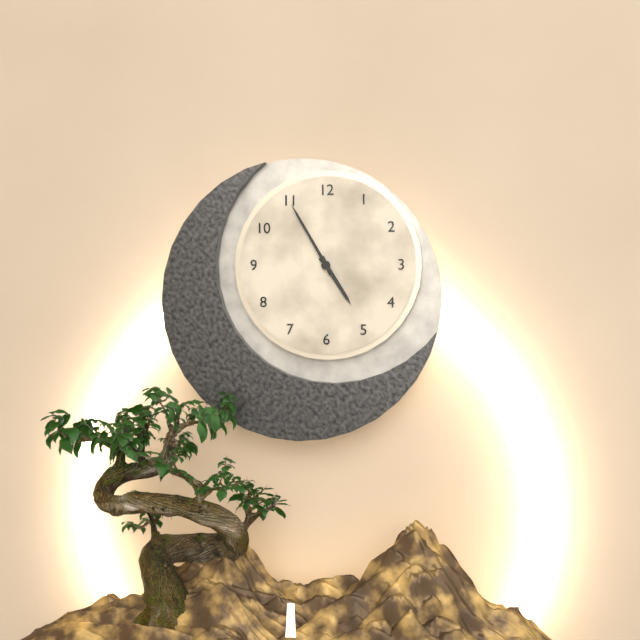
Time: {"hour": 4, "minute": 55}
